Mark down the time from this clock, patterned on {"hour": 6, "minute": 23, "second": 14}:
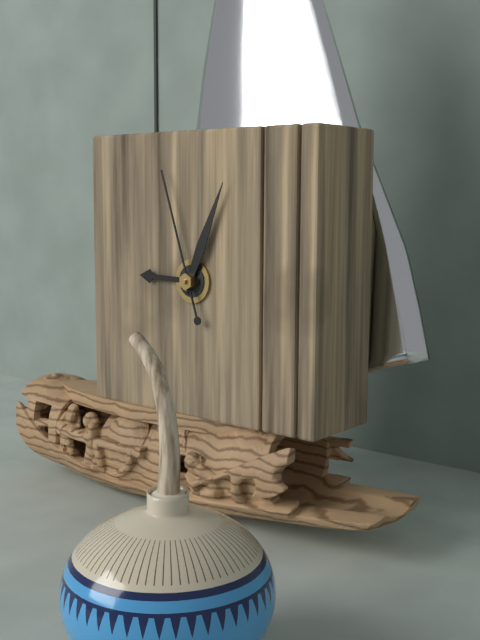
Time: {"hour": 9, "minute": 4, "second": 57}
